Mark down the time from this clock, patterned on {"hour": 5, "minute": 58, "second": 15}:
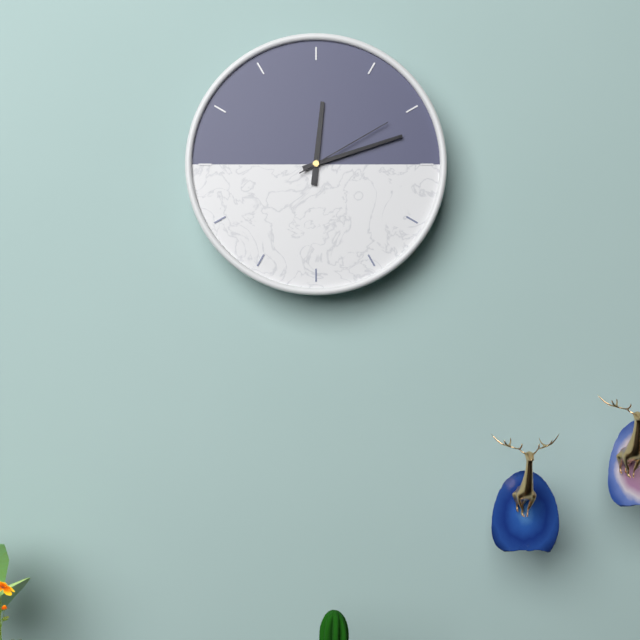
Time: {"hour": 12, "minute": 12, "second": 10}
